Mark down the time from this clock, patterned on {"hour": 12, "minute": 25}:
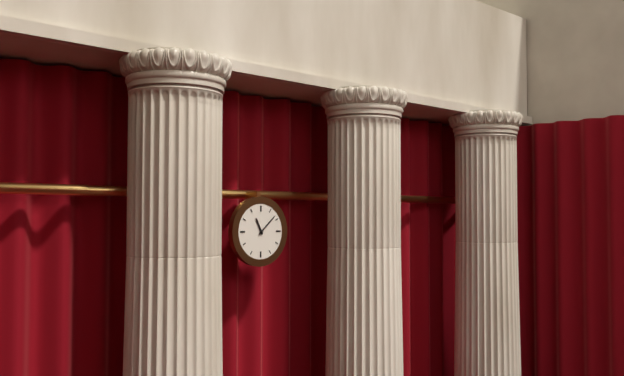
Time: {"hour": 11, "minute": 8}
